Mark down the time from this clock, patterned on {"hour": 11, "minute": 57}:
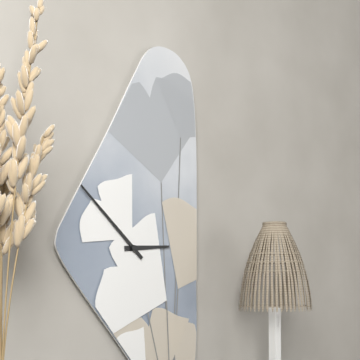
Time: {"hour": 2, "minute": 52}
